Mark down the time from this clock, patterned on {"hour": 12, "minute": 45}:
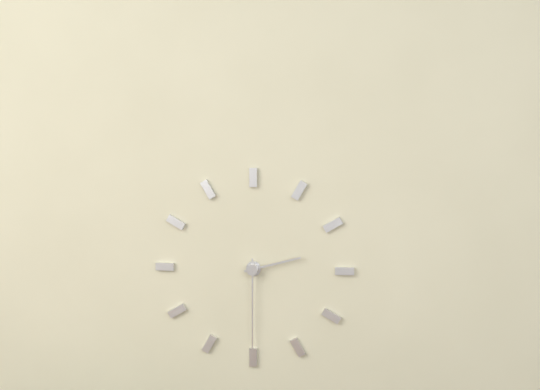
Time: {"hour": 2, "minute": 30}
